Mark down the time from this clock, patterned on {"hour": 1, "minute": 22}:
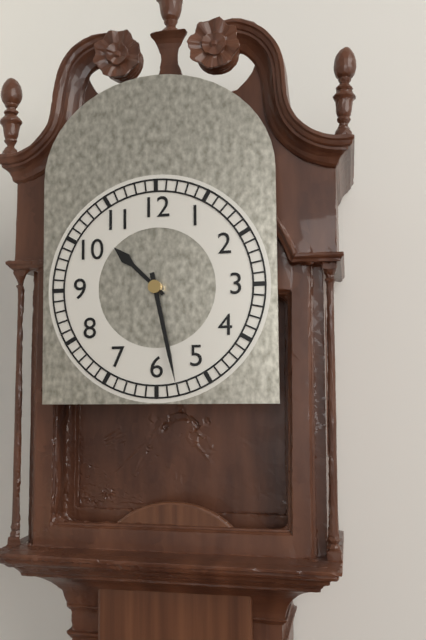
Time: {"hour": 10, "minute": 28}
